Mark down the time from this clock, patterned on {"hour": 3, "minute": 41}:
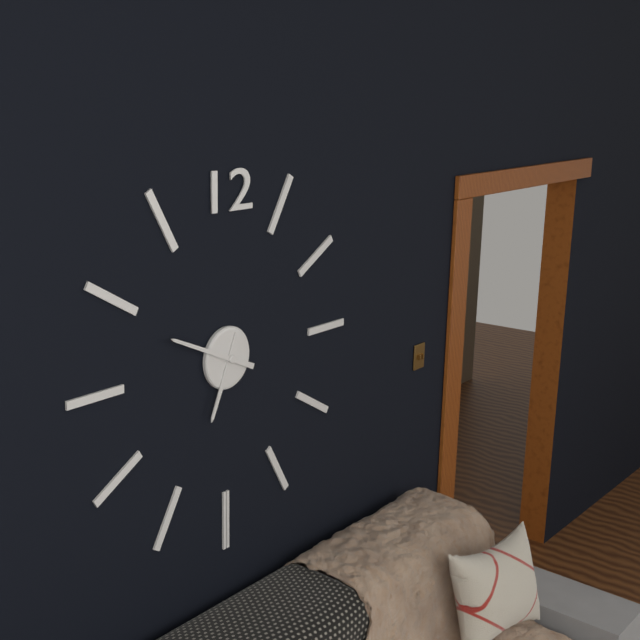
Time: {"hour": 6, "minute": 49}
